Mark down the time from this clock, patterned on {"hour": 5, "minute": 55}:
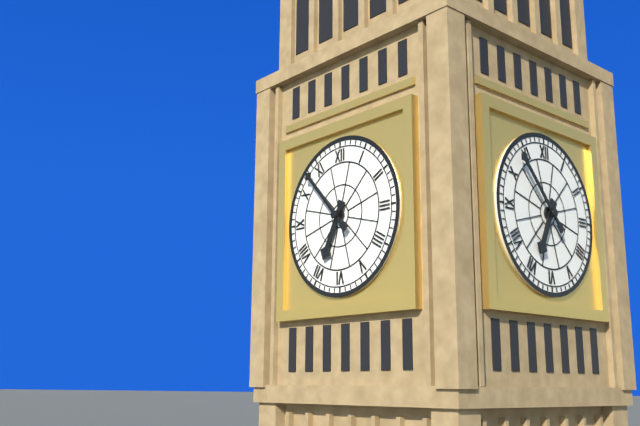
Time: {"hour": 6, "minute": 53}
